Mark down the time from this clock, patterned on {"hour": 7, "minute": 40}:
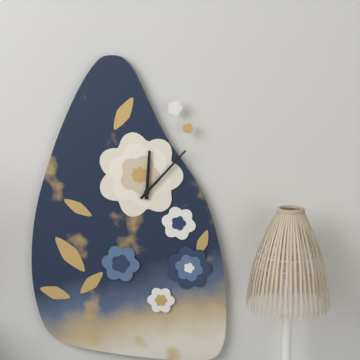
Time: {"hour": 12, "minute": 7}
